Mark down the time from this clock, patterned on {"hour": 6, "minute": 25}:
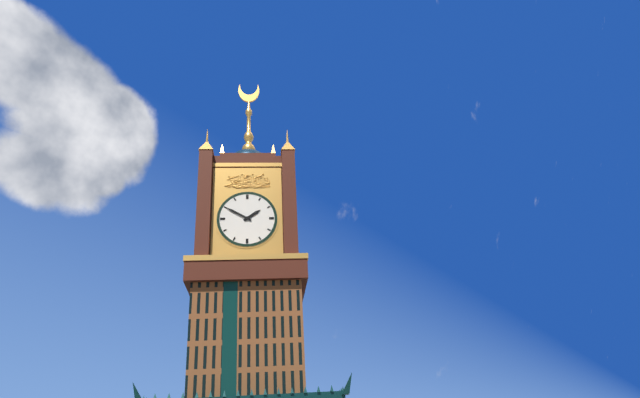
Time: {"hour": 1, "minute": 50}
